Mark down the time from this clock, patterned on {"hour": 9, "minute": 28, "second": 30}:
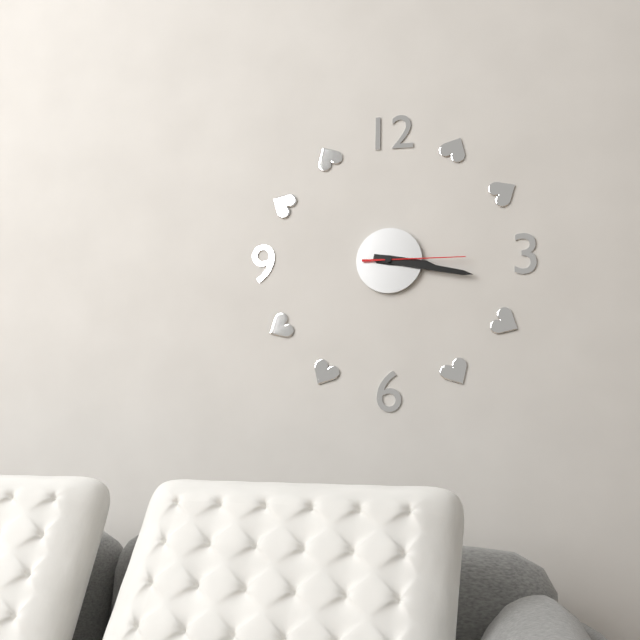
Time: {"hour": 3, "minute": 17, "second": 15}
